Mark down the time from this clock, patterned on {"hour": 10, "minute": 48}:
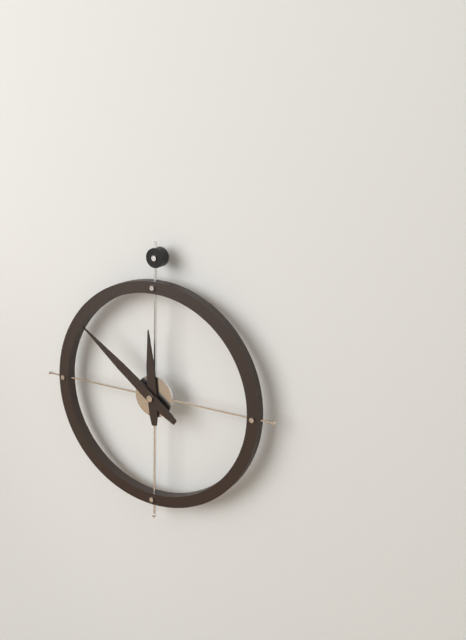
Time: {"hour": 11, "minute": 51}
